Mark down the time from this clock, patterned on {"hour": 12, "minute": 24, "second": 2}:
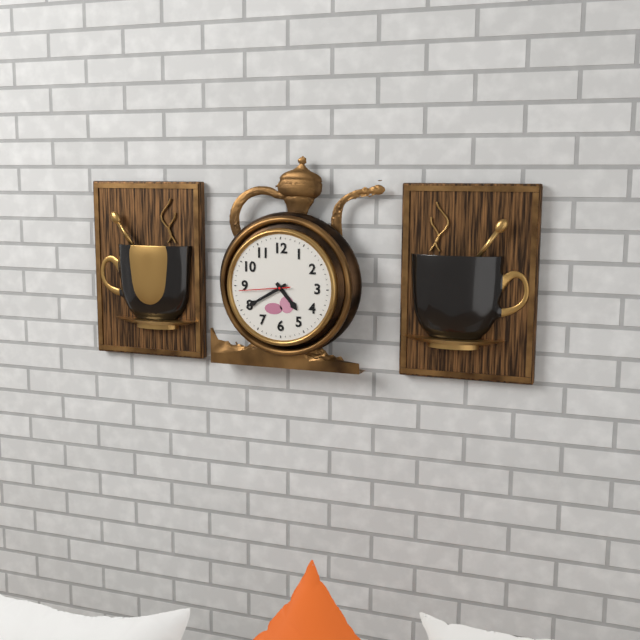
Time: {"hour": 4, "minute": 40, "second": 44}
